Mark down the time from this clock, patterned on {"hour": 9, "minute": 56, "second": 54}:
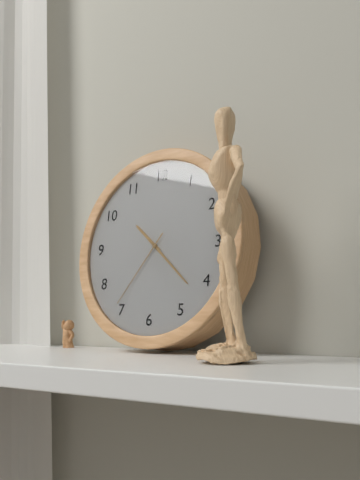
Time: {"hour": 10, "minute": 22, "second": 36}
